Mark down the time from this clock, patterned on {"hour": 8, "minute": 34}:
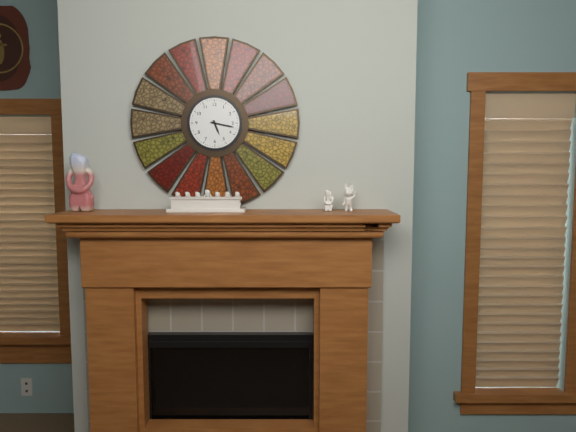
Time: {"hour": 5, "minute": 17}
